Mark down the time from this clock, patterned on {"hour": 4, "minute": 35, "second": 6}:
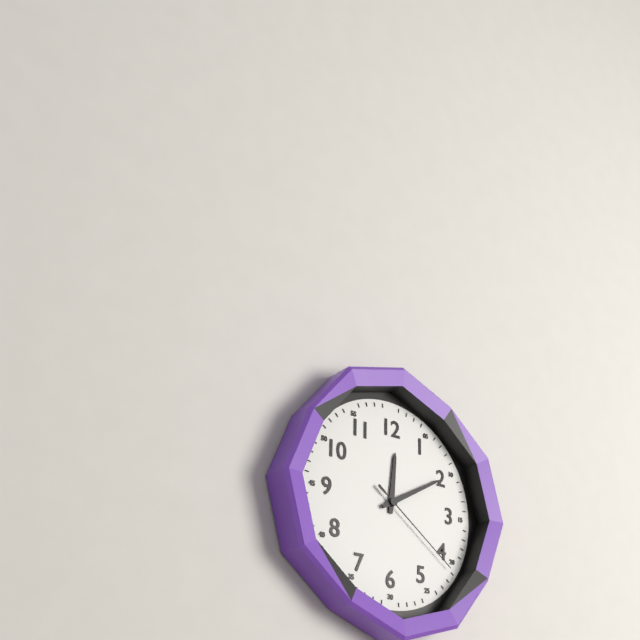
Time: {"hour": 12, "minute": 10, "second": 21}
